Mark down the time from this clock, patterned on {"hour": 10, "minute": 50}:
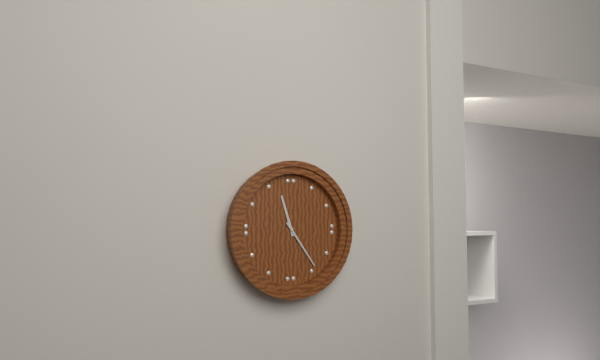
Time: {"hour": 11, "minute": 24}
